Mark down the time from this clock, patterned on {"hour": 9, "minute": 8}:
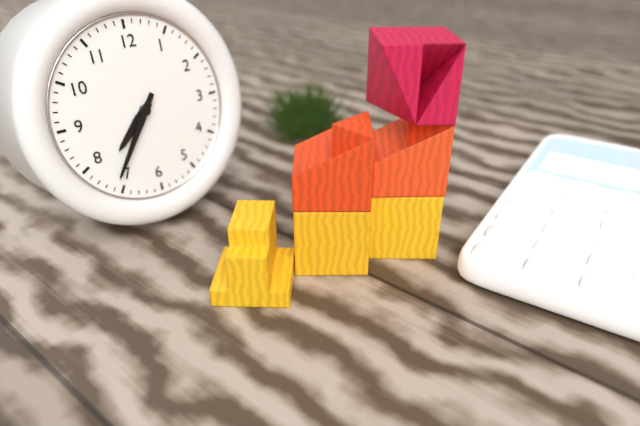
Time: {"hour": 7, "minute": 36}
